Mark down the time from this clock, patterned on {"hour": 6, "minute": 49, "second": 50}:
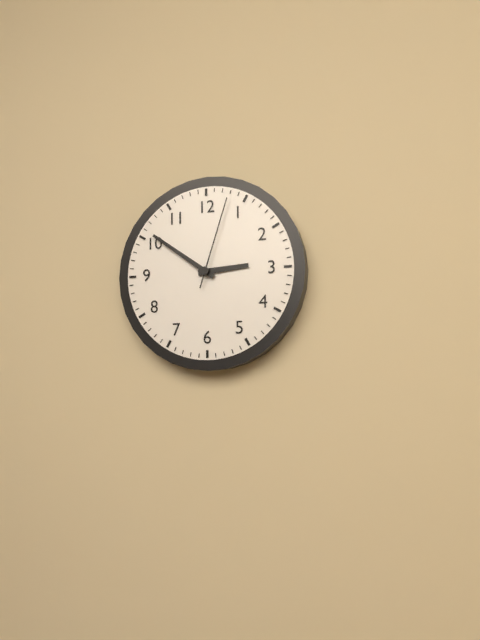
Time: {"hour": 2, "minute": 51, "second": 3}
